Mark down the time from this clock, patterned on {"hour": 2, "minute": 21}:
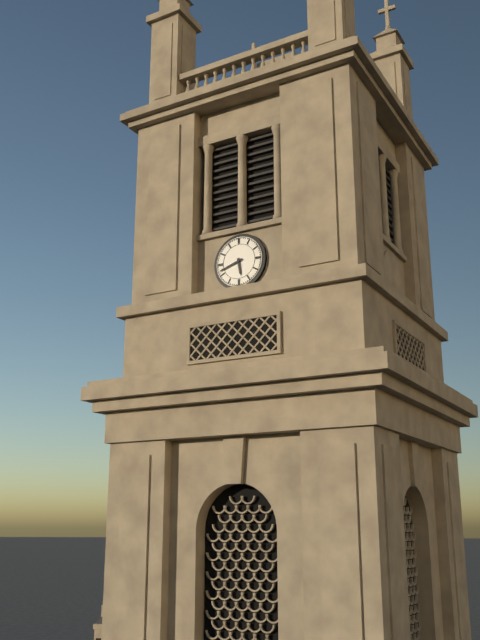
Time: {"hour": 5, "minute": 42}
